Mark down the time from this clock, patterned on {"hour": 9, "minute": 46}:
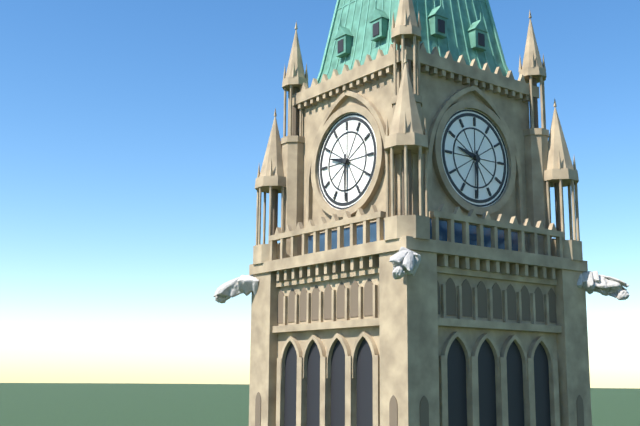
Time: {"hour": 9, "minute": 30}
